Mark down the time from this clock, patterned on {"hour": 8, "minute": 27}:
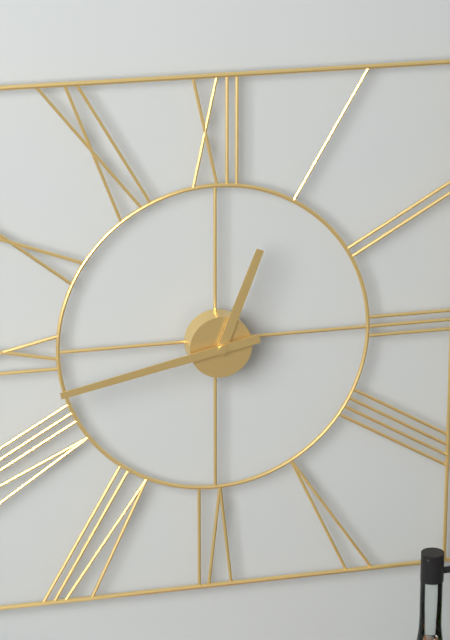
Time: {"hour": 12, "minute": 43}
